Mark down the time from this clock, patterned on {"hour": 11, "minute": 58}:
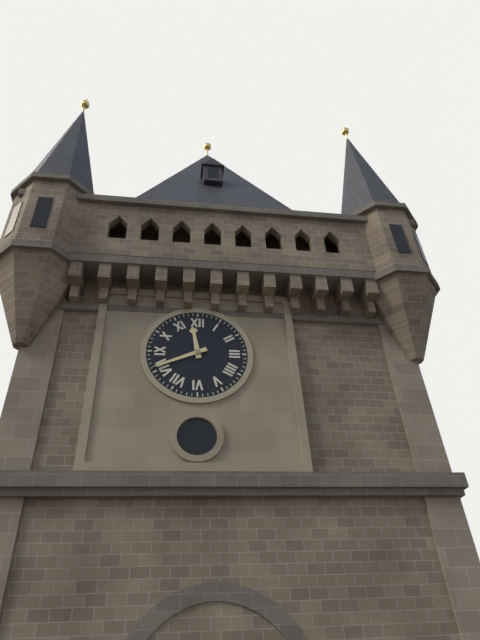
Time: {"hour": 11, "minute": 41}
